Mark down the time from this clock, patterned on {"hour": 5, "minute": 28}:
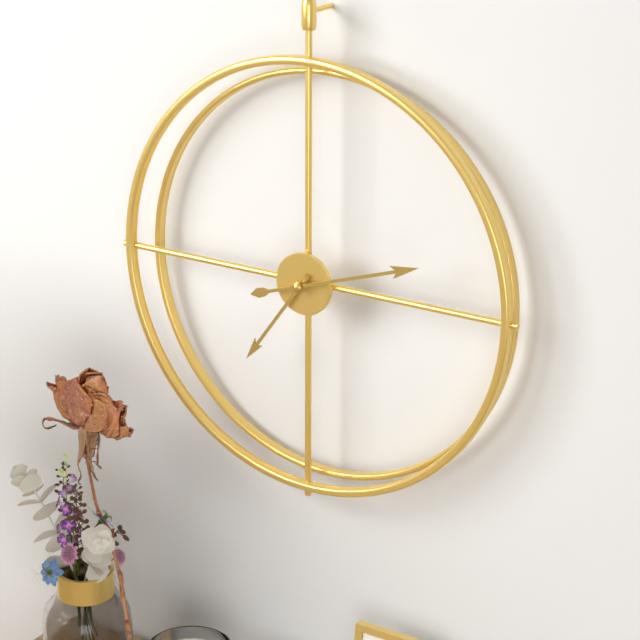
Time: {"hour": 7, "minute": 12}
